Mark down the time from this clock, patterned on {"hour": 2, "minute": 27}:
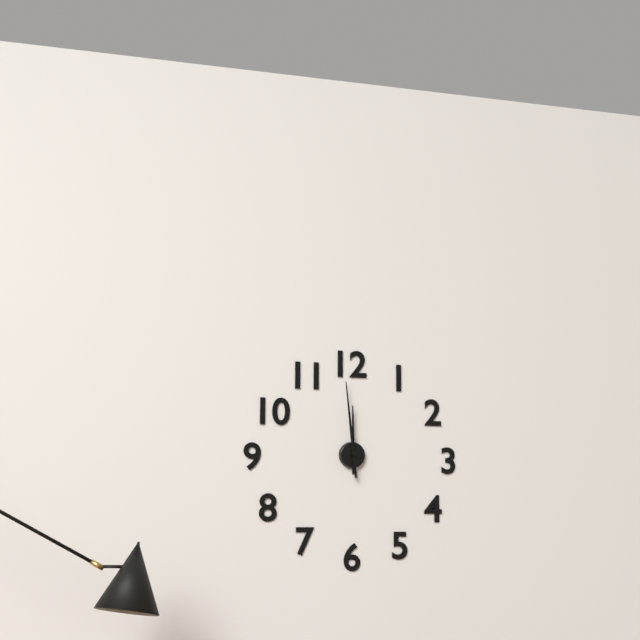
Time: {"hour": 11, "minute": 59}
